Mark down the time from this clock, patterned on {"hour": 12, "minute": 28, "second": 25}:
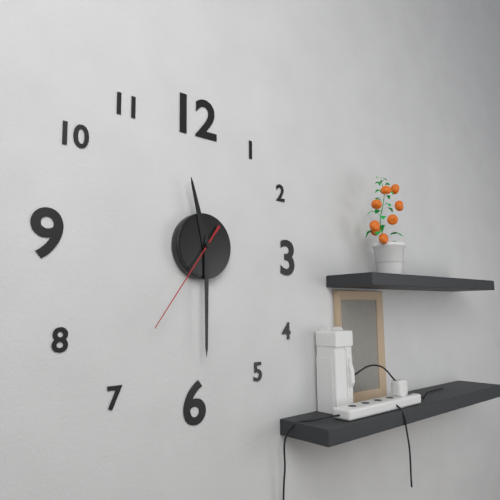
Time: {"hour": 11, "minute": 30, "second": 36}
